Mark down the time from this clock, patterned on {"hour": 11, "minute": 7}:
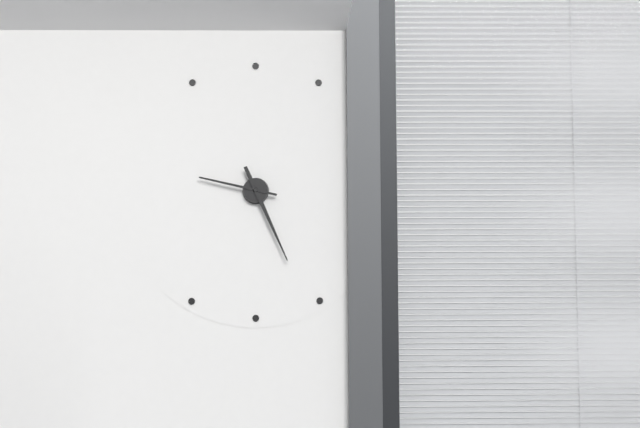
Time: {"hour": 9, "minute": 26}
